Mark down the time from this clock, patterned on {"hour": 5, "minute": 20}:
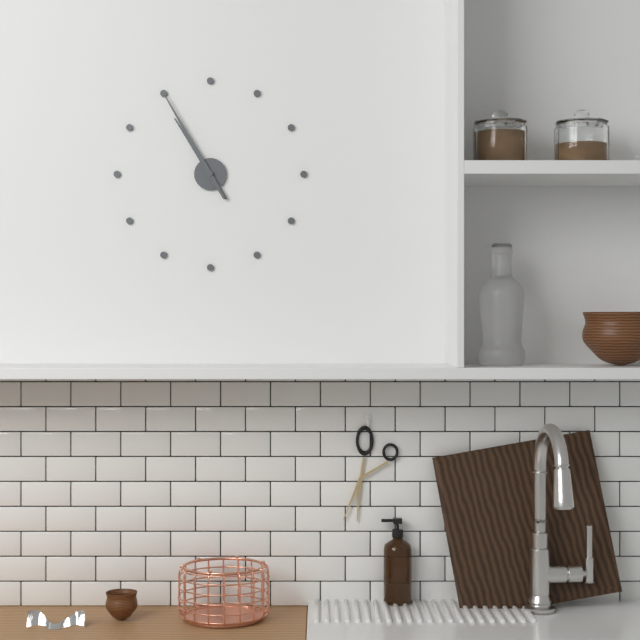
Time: {"hour": 10, "minute": 55}
